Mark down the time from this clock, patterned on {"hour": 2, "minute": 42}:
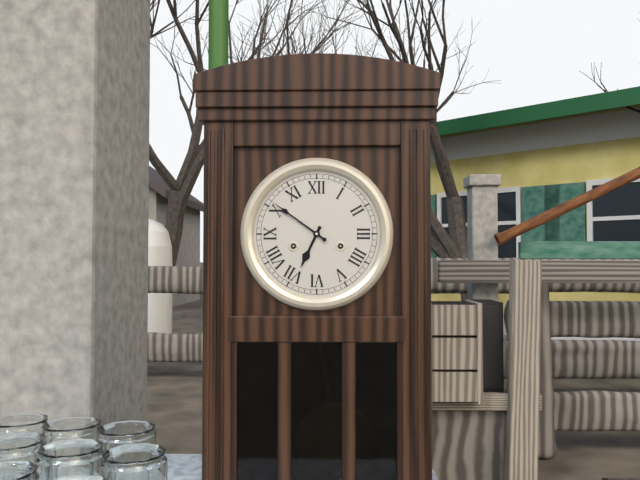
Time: {"hour": 6, "minute": 51}
